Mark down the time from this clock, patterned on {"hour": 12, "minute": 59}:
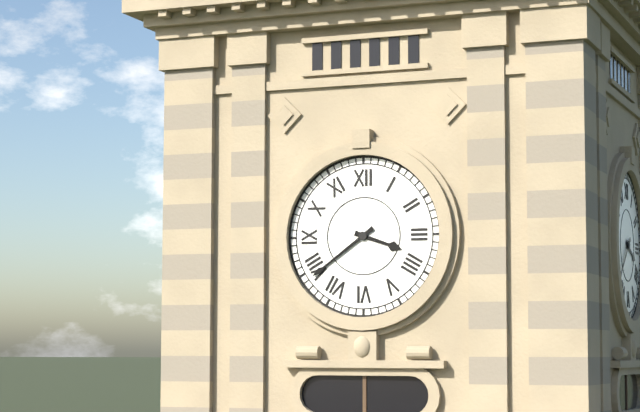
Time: {"hour": 3, "minute": 39}
